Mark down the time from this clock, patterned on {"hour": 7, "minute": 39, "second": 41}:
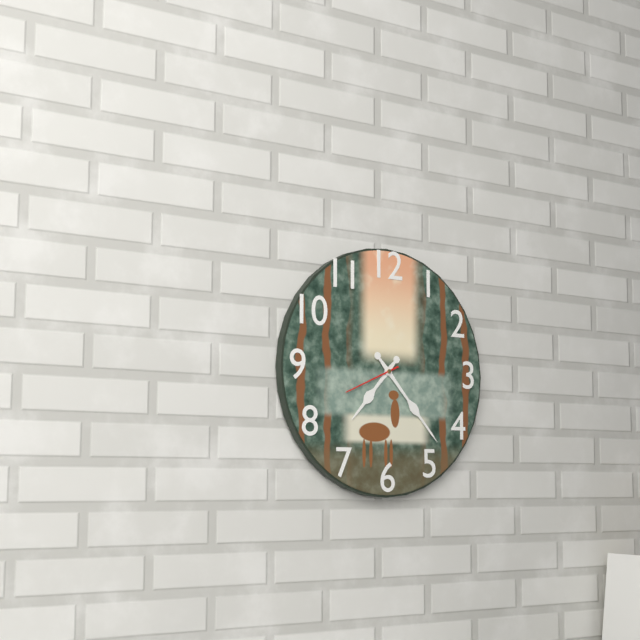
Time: {"hour": 7, "minute": 23, "second": 41}
